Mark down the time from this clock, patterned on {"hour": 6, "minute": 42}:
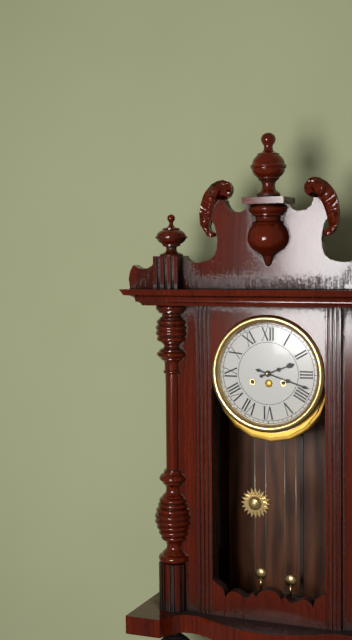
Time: {"hour": 2, "minute": 18}
